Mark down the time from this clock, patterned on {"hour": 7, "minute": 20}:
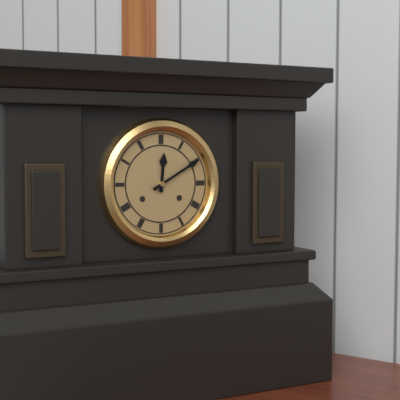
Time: {"hour": 12, "minute": 10}
